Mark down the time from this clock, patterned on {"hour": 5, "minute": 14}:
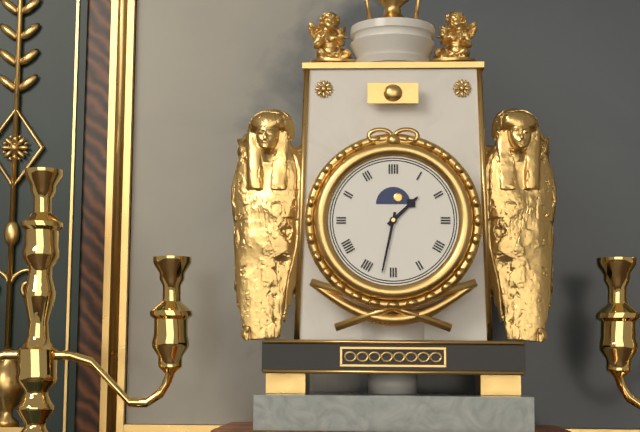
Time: {"hour": 1, "minute": 32}
